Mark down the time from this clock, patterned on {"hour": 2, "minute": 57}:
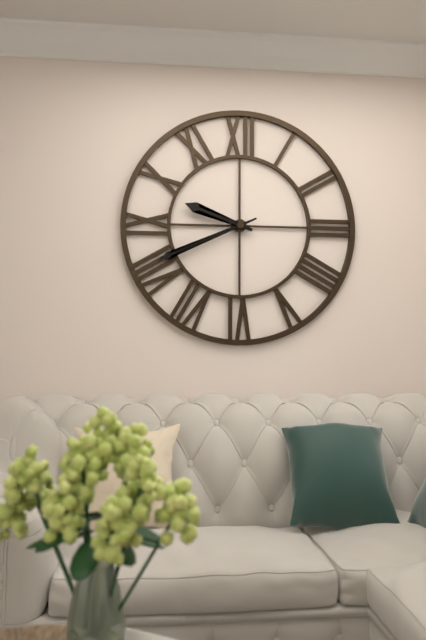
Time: {"hour": 9, "minute": 41}
